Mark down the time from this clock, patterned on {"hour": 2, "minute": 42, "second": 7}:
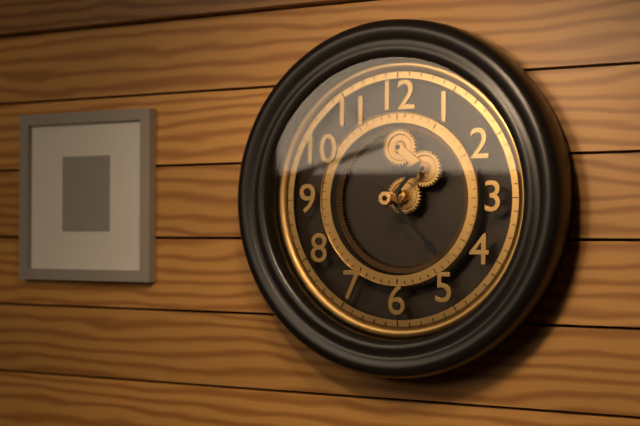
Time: {"hour": 1, "minute": 23, "second": 23}
